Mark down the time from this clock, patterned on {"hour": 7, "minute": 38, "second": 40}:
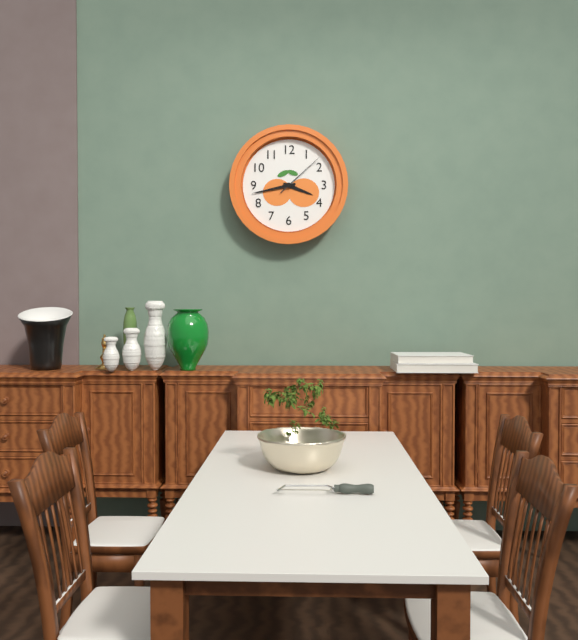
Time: {"hour": 3, "minute": 43, "second": 8}
